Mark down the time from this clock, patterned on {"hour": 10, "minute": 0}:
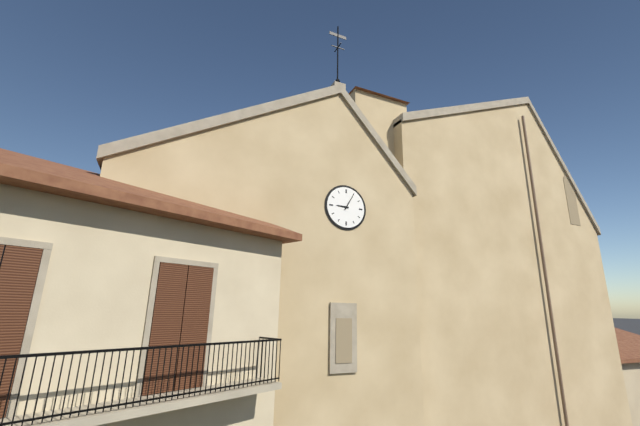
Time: {"hour": 9, "minute": 5}
